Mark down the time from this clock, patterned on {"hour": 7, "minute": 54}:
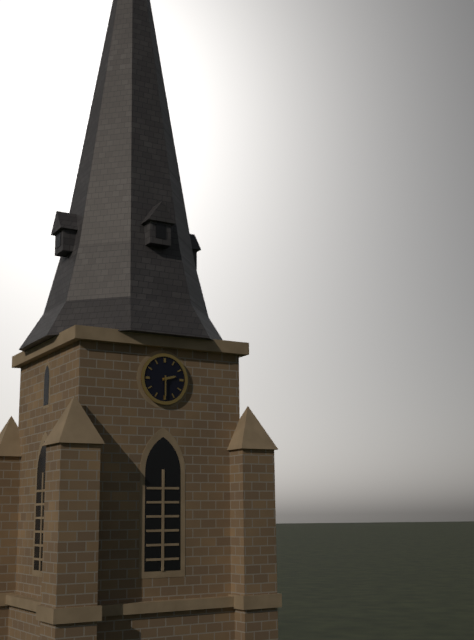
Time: {"hour": 2, "minute": 30}
